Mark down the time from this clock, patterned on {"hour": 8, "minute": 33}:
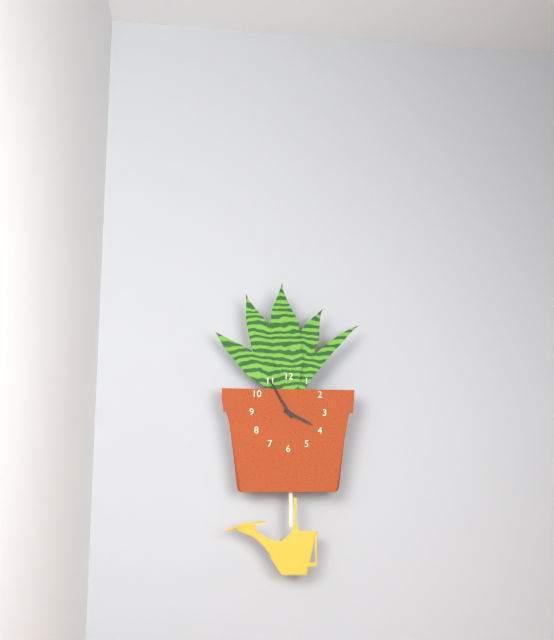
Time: {"hour": 3, "minute": 55}
